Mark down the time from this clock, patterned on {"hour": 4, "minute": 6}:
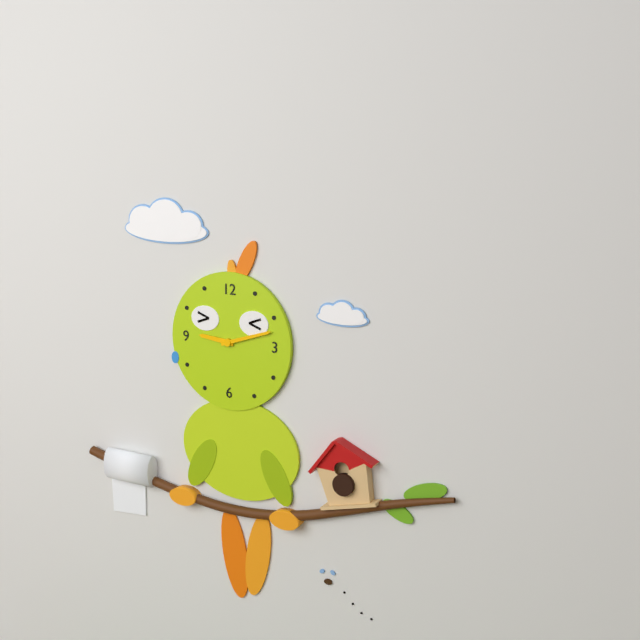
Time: {"hour": 9, "minute": 12}
